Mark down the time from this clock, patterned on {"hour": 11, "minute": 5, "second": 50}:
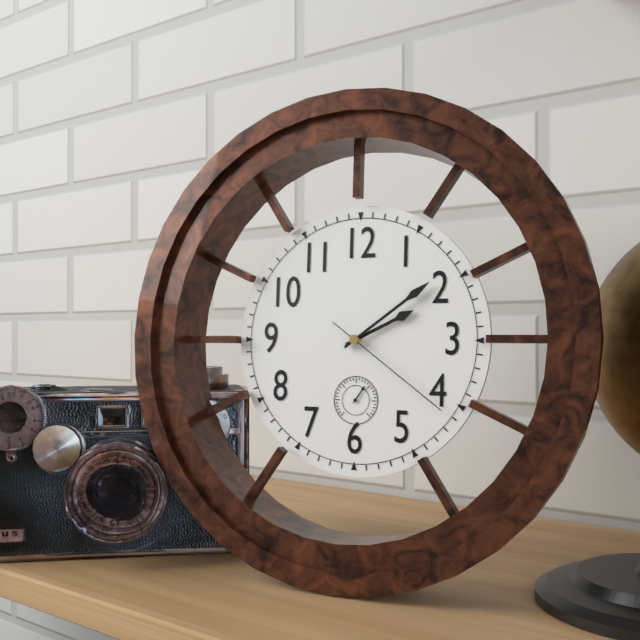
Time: {"hour": 2, "minute": 9, "second": 21}
